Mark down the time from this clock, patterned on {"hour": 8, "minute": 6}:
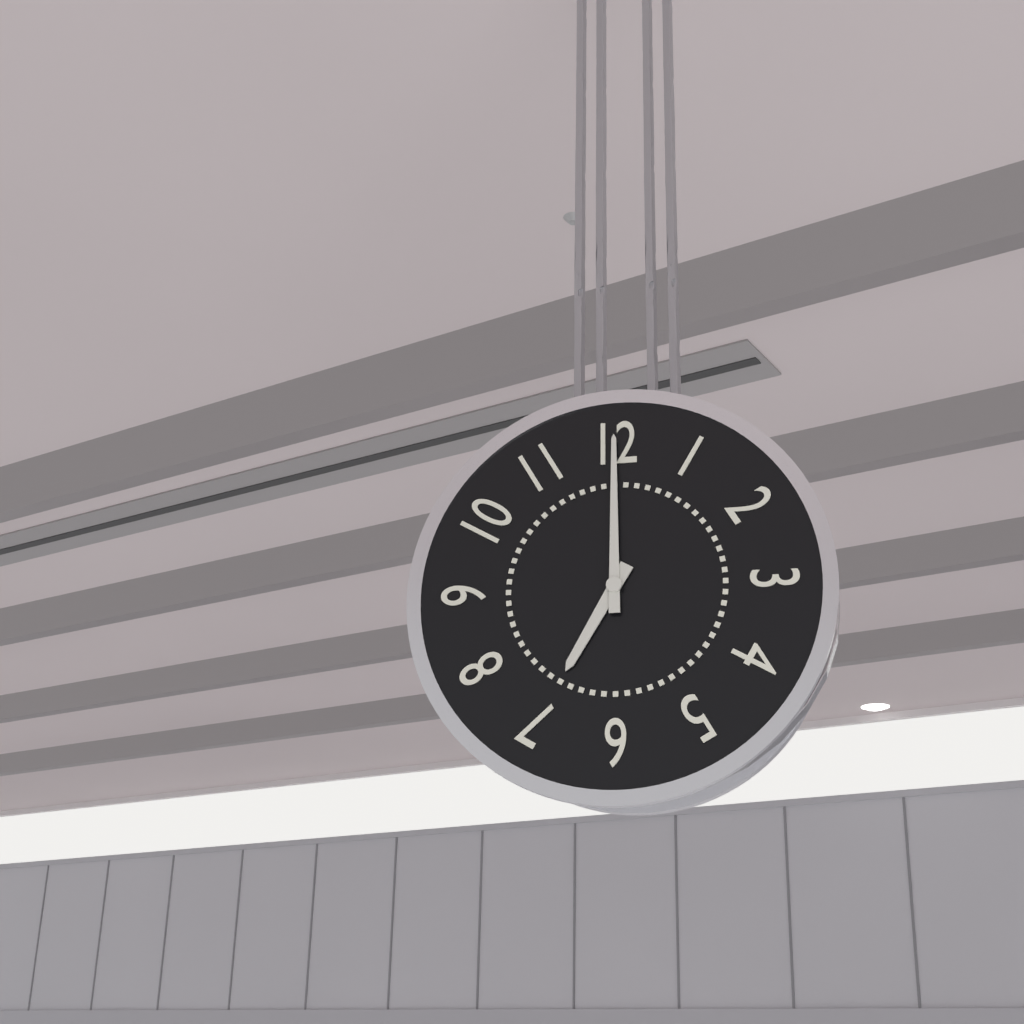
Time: {"hour": 7, "minute": 0}
